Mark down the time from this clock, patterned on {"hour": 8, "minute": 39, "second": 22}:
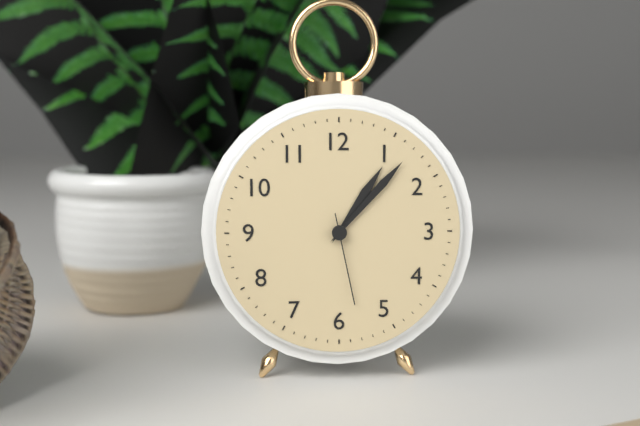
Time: {"hour": 1, "minute": 7, "second": 28}
